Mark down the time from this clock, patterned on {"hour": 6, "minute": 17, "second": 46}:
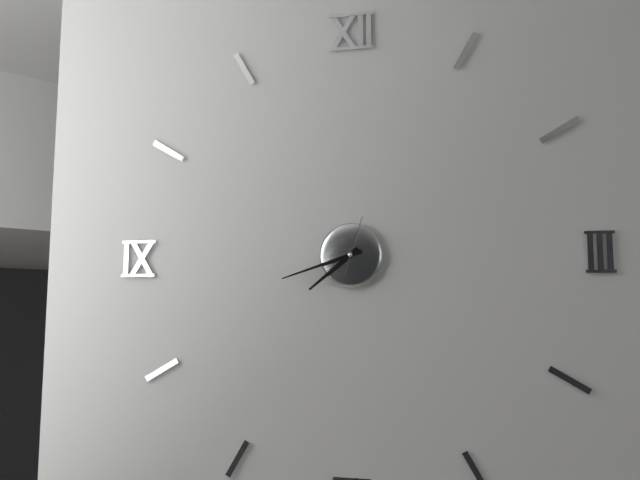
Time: {"hour": 7, "minute": 42, "second": 3}
